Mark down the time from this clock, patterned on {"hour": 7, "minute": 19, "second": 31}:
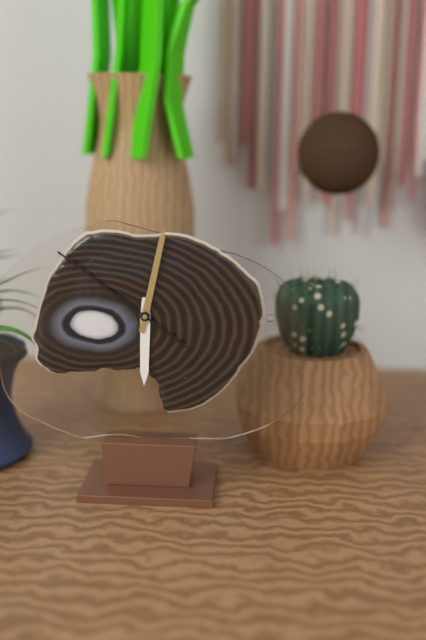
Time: {"hour": 6, "minute": 2, "second": 51}
